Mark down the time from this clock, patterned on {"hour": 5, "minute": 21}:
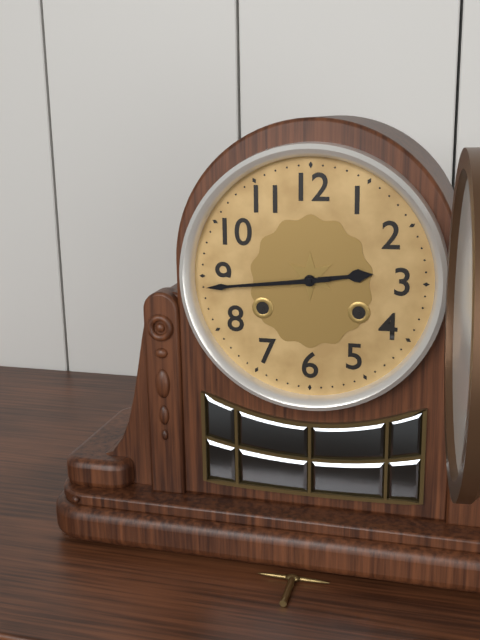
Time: {"hour": 2, "minute": 44}
